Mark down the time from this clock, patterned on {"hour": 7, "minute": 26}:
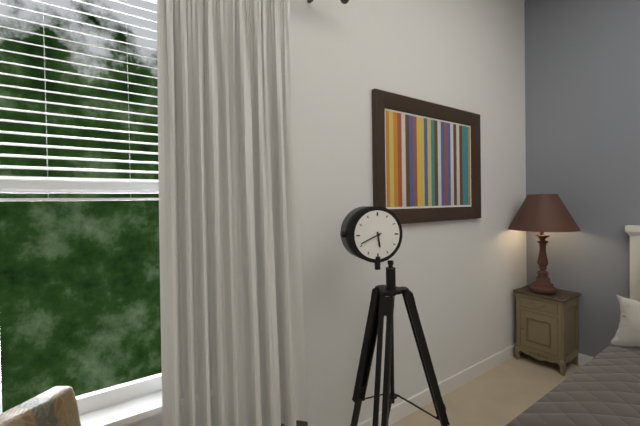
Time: {"hour": 5, "minute": 41}
